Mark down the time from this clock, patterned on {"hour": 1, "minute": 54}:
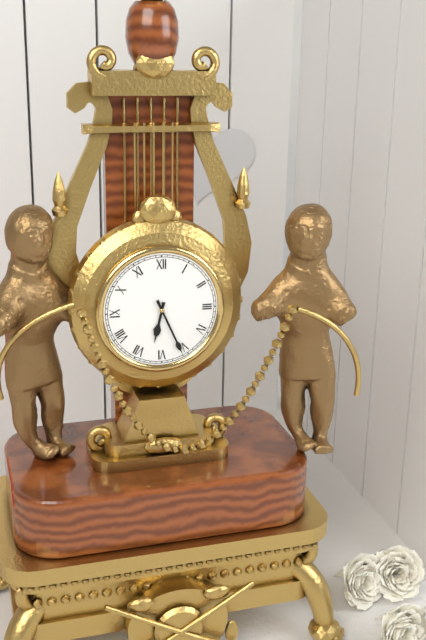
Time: {"hour": 6, "minute": 26}
